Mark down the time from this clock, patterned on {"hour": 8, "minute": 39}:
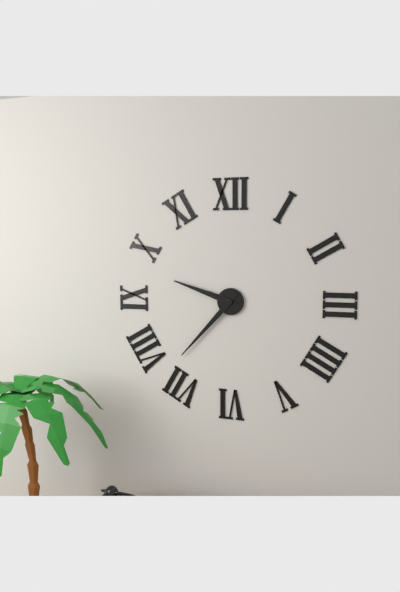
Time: {"hour": 9, "minute": 37}
